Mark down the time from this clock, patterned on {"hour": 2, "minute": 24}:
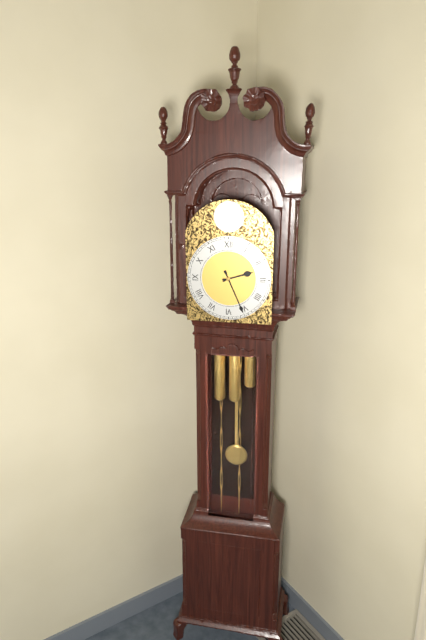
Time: {"hour": 2, "minute": 26}
